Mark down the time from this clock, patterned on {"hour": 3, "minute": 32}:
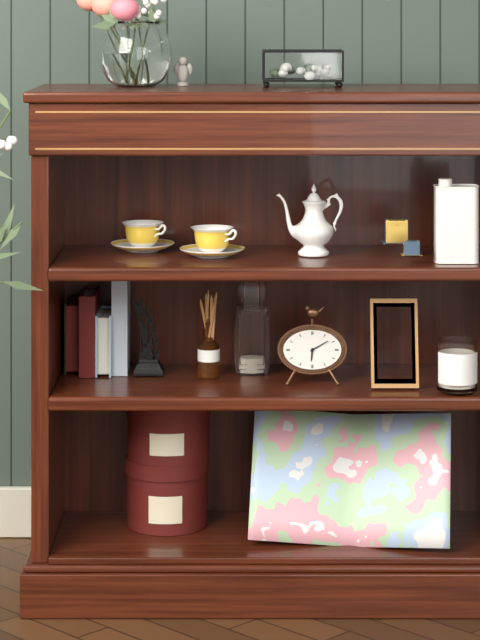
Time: {"hour": 6, "minute": 10}
